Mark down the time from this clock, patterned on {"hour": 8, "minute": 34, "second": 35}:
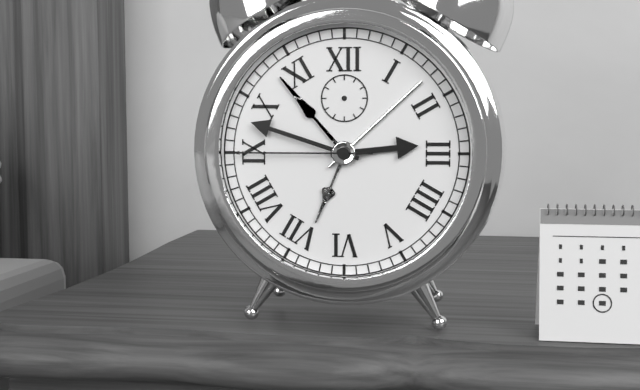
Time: {"hour": 2, "minute": 48, "second": 45}
